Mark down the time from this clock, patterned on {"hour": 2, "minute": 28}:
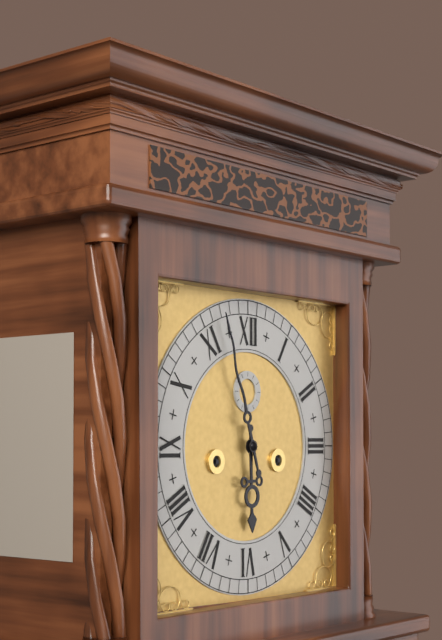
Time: {"hour": 5, "minute": 57}
